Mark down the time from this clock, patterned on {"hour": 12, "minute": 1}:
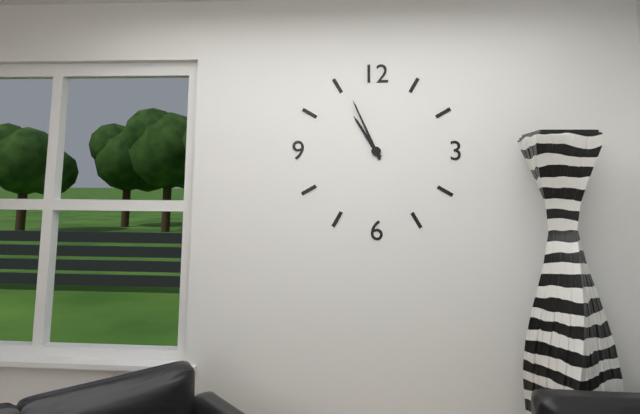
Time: {"hour": 10, "minute": 56}
